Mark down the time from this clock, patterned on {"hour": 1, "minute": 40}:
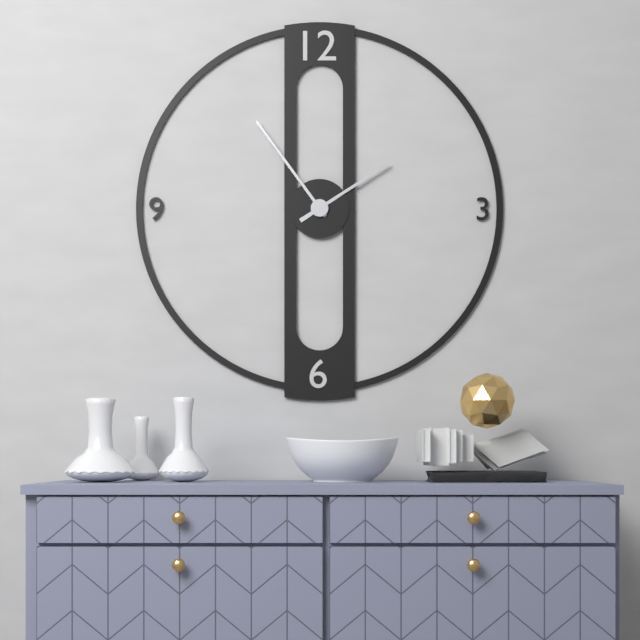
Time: {"hour": 1, "minute": 54}
